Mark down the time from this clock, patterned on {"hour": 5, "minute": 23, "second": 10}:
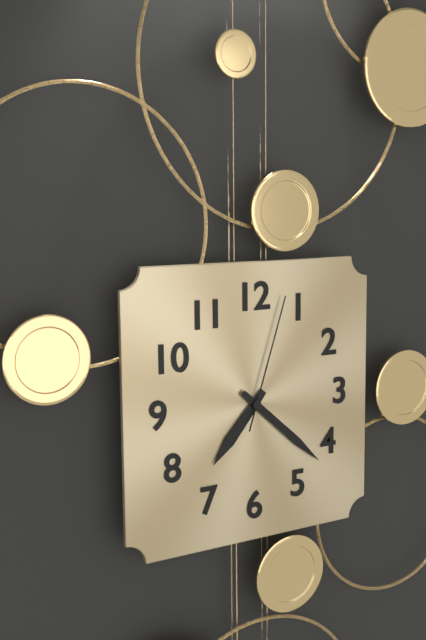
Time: {"hour": 7, "minute": 22, "second": 3}
